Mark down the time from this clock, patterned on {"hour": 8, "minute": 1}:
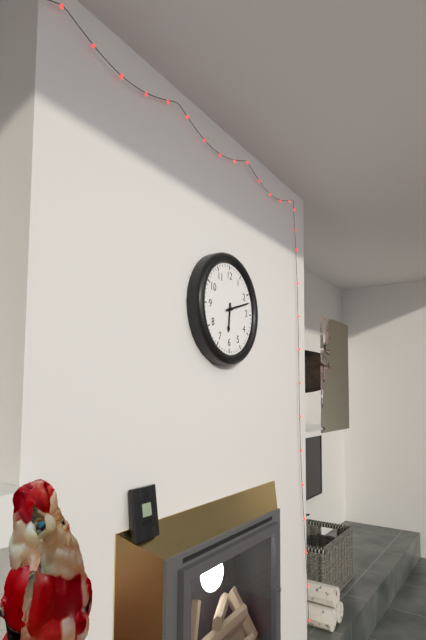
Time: {"hour": 6, "minute": 12}
